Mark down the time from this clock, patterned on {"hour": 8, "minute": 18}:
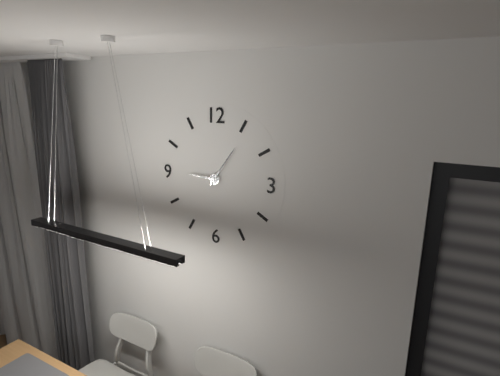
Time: {"hour": 9, "minute": 6}
